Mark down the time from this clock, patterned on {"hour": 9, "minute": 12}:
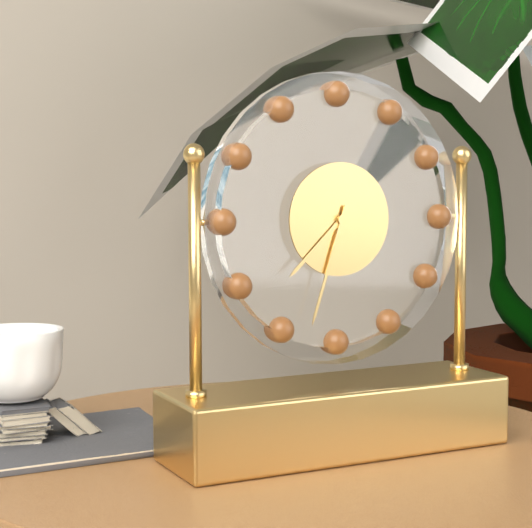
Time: {"hour": 7, "minute": 33}
